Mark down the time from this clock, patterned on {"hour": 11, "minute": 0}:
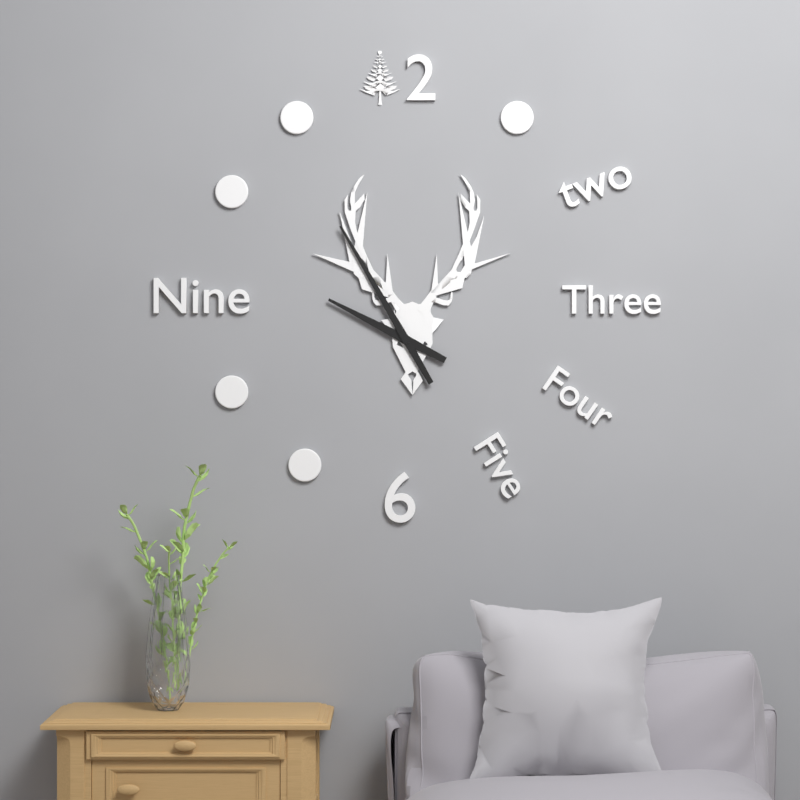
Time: {"hour": 9, "minute": 55}
